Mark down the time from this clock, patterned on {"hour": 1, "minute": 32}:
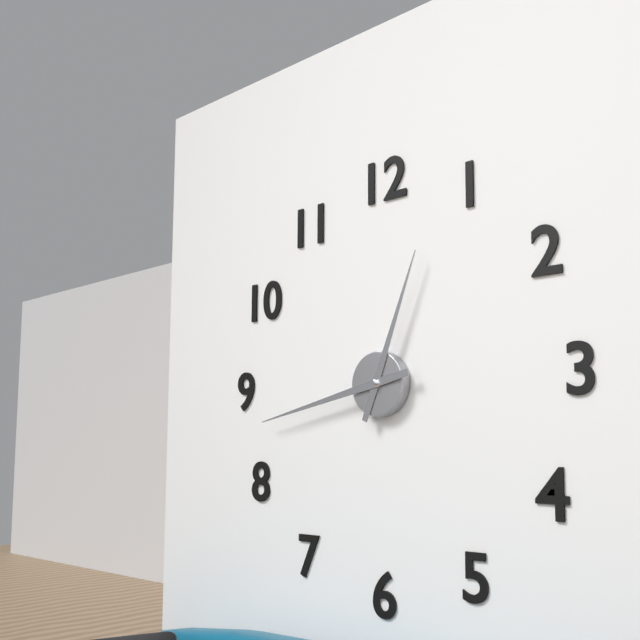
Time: {"hour": 12, "minute": 43}
